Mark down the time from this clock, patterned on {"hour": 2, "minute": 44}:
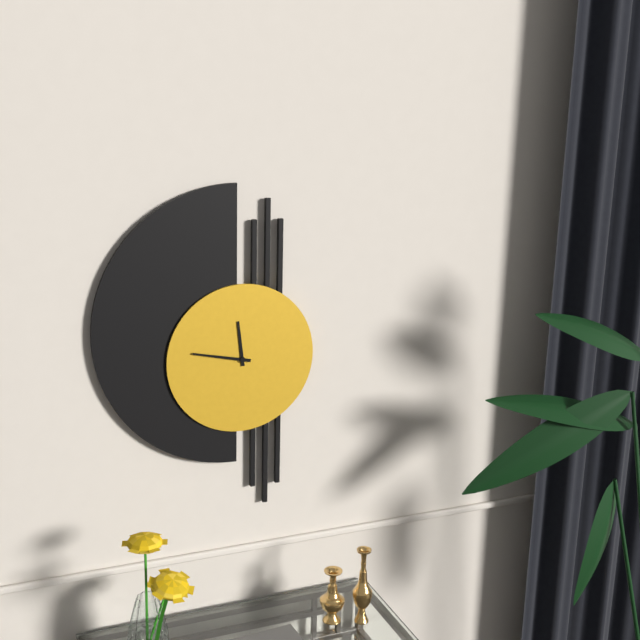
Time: {"hour": 11, "minute": 47}
